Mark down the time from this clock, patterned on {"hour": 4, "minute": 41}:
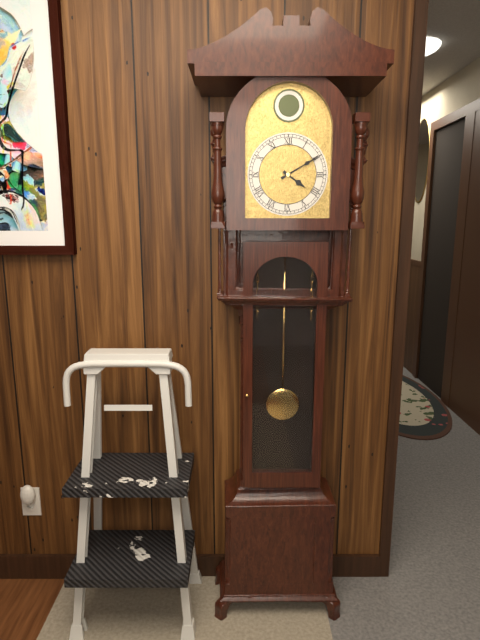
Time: {"hour": 4, "minute": 10}
